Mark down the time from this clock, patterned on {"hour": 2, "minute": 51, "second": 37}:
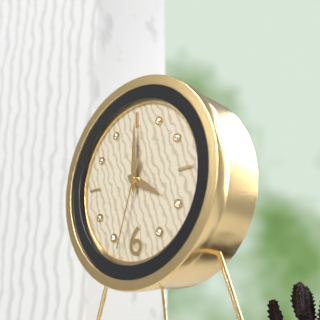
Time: {"hour": 4, "minute": 0, "second": 33}
